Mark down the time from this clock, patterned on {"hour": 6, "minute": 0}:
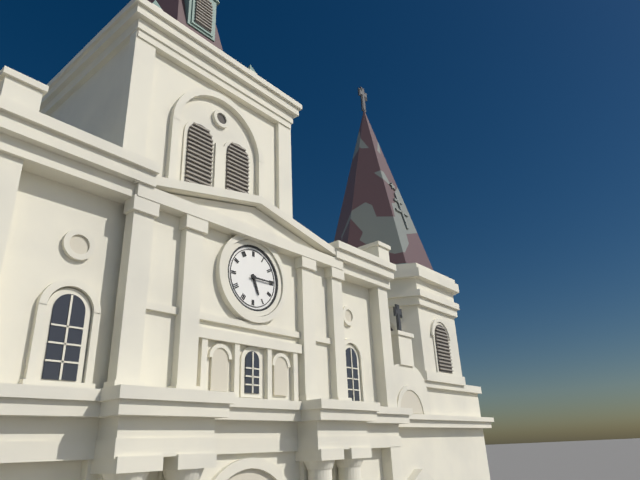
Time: {"hour": 5, "minute": 15}
